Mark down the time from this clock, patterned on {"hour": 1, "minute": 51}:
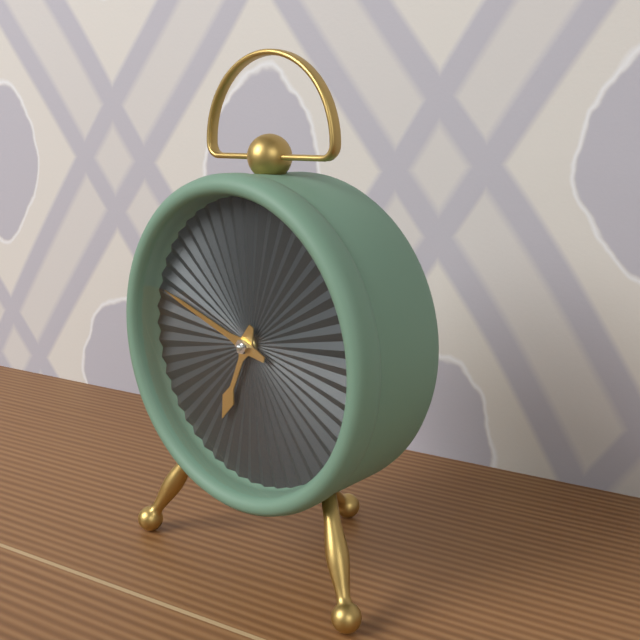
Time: {"hour": 6, "minute": 48}
